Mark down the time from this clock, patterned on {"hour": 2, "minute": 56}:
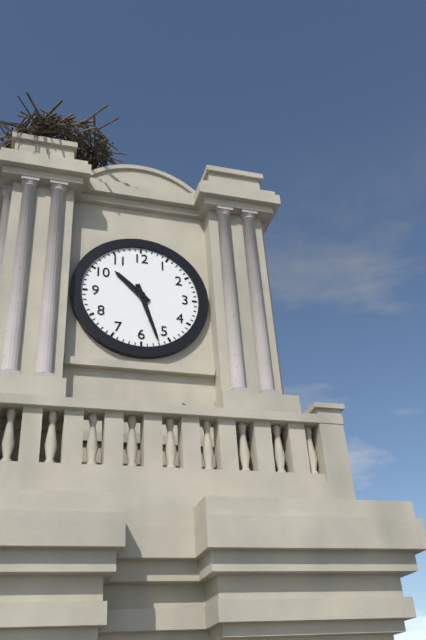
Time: {"hour": 10, "minute": 27}
